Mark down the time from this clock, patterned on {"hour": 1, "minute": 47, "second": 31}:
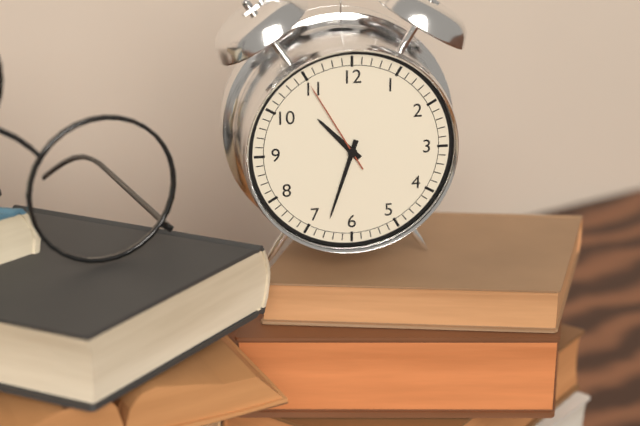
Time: {"hour": 10, "minute": 33, "second": 55}
